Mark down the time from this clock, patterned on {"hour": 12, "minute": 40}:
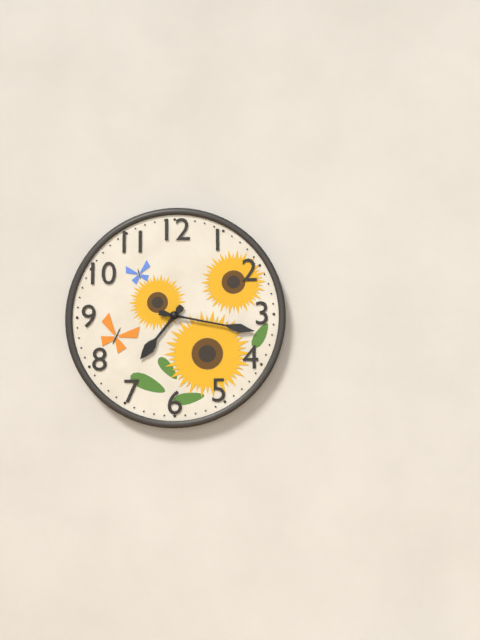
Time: {"hour": 7, "minute": 17}
